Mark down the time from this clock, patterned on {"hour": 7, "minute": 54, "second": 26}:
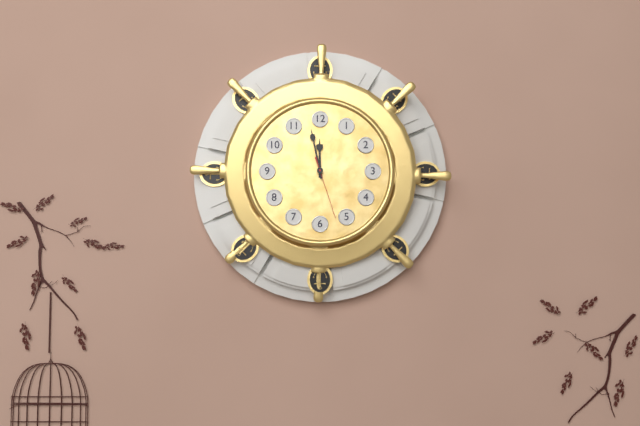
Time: {"hour": 11, "minute": 58, "second": 27}
